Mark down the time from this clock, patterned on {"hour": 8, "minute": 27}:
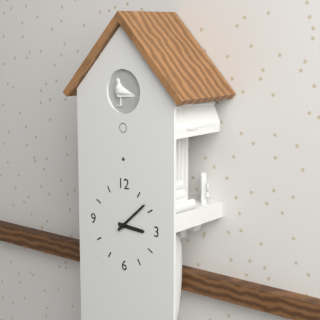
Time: {"hour": 3, "minute": 8}
